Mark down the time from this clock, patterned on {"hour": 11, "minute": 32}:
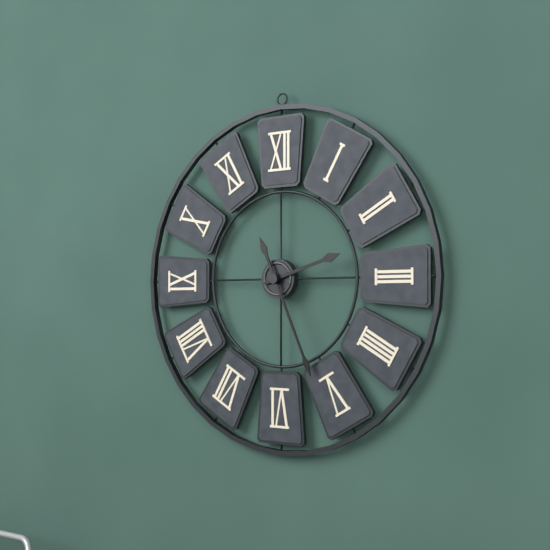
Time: {"hour": 2, "minute": 26}
